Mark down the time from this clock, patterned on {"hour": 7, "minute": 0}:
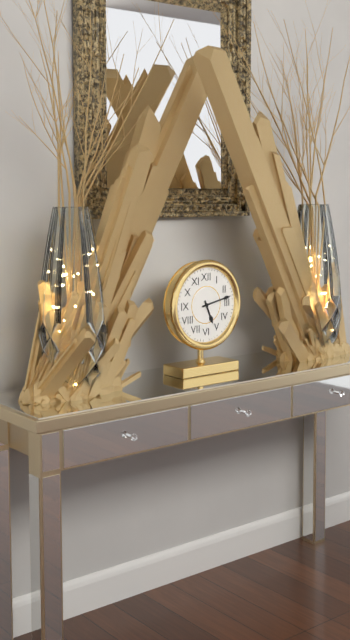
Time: {"hour": 5, "minute": 13}
